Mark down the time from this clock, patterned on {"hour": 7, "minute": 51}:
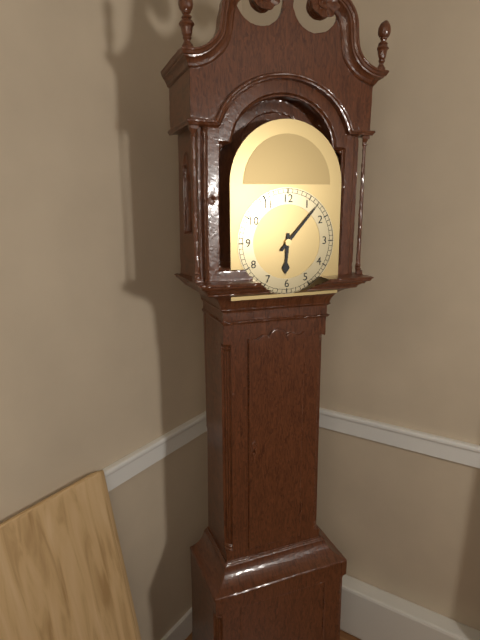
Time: {"hour": 6, "minute": 7}
